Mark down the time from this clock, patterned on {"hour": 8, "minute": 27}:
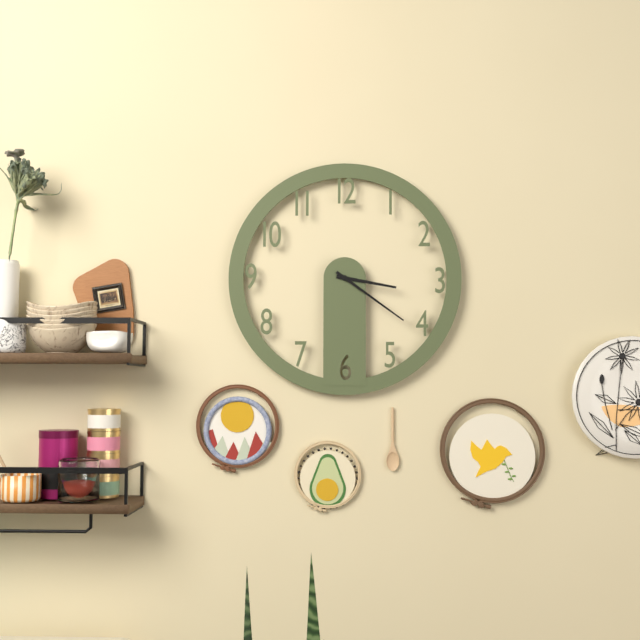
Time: {"hour": 3, "minute": 21}
